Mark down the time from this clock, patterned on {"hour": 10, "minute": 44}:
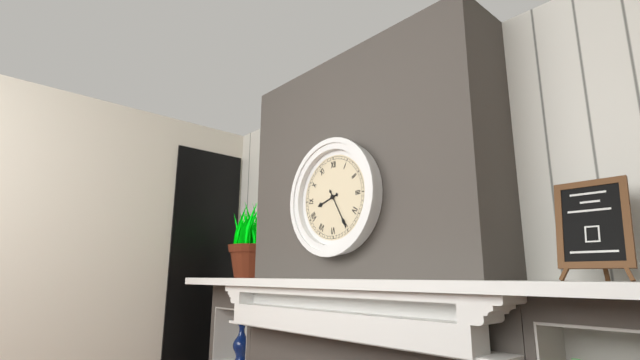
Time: {"hour": 8, "minute": 25}
